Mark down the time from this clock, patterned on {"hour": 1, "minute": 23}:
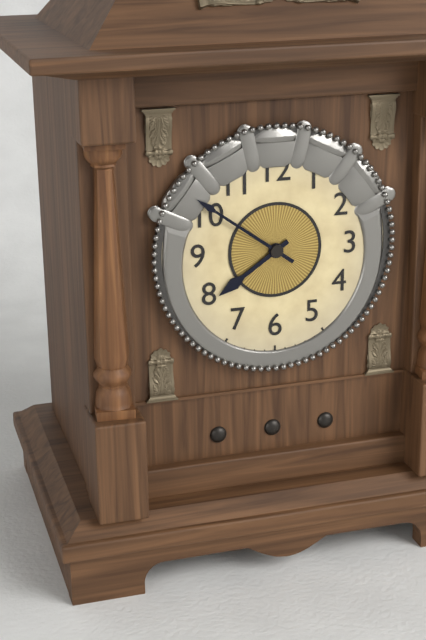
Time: {"hour": 7, "minute": 51}
